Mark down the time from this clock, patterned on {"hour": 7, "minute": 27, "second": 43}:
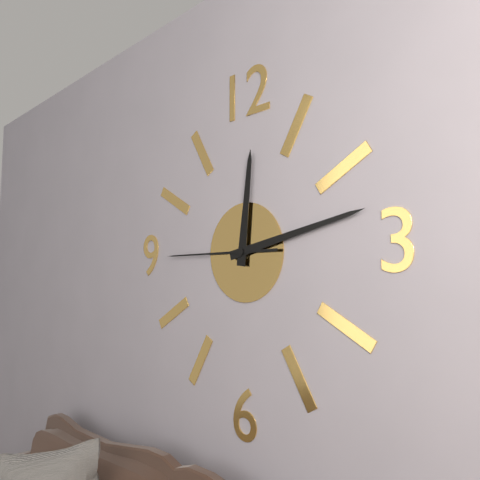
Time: {"hour": 12, "minute": 13, "second": 45}
